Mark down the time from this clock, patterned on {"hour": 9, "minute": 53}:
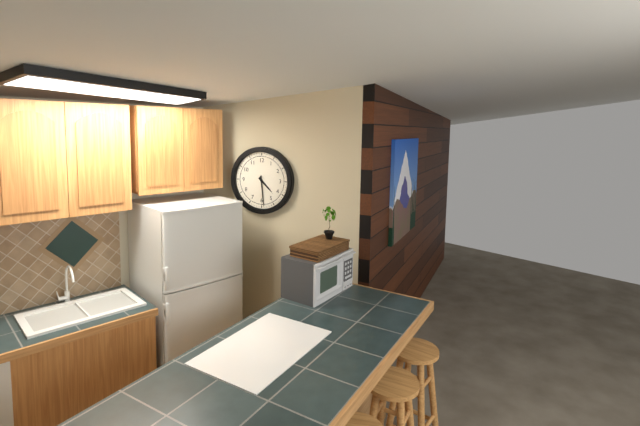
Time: {"hour": 4, "minute": 29}
